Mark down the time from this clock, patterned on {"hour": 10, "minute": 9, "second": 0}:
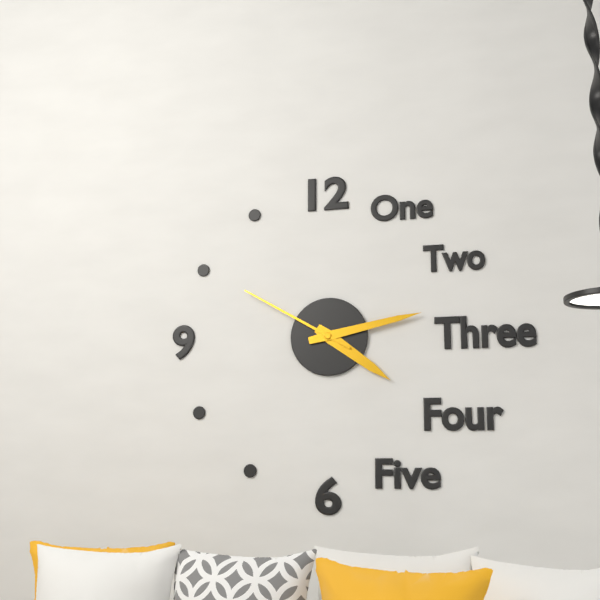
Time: {"hour": 4, "minute": 13, "second": 50}
